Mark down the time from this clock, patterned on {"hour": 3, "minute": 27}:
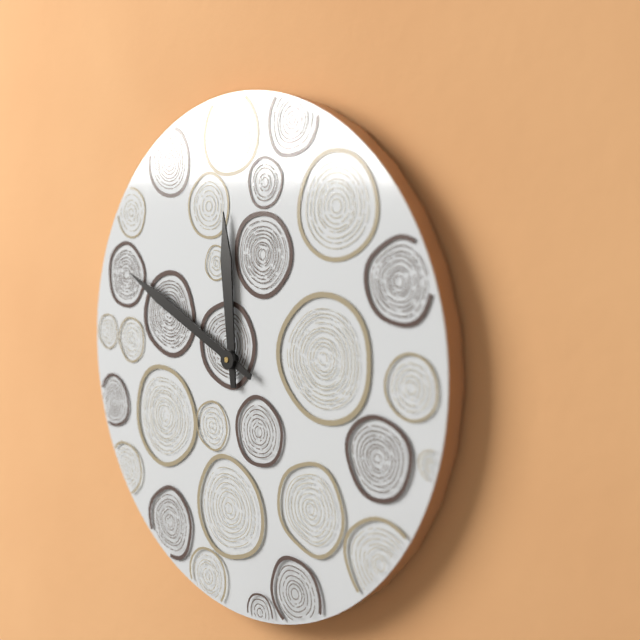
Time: {"hour": 11, "minute": 49}
